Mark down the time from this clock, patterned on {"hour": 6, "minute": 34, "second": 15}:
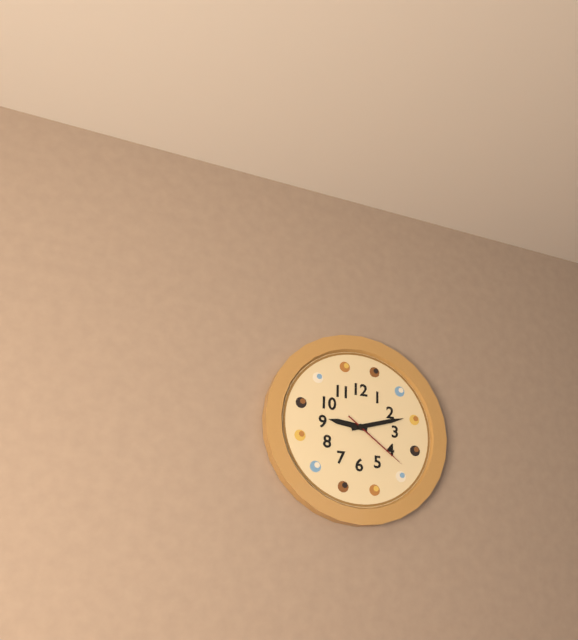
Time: {"hour": 9, "minute": 12, "second": 21}
